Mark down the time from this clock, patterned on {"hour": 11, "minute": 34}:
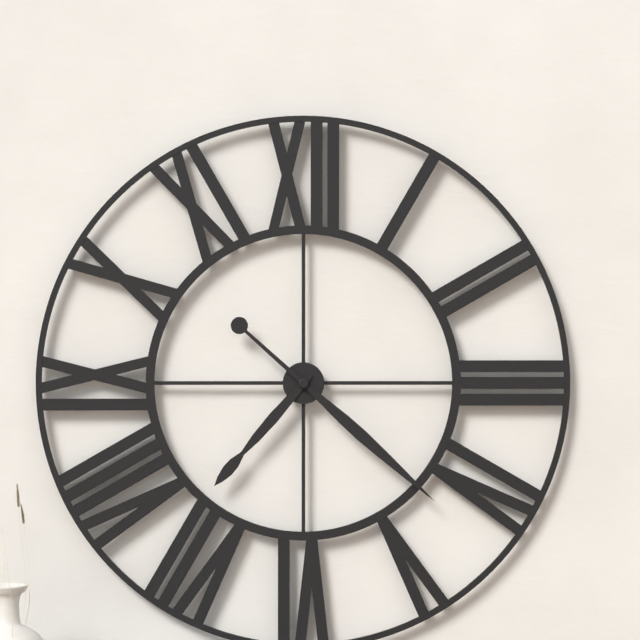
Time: {"hour": 7, "minute": 22}
